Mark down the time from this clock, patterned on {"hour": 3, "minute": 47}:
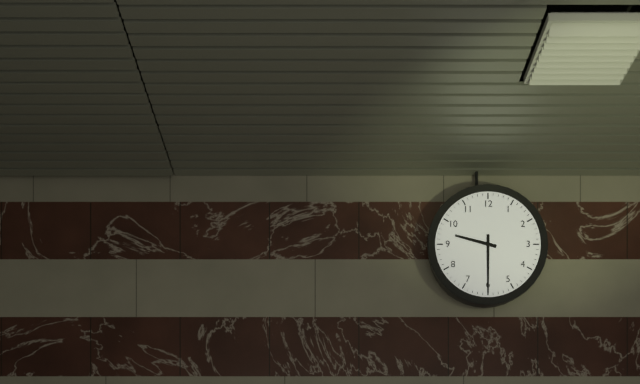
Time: {"hour": 9, "minute": 30}
